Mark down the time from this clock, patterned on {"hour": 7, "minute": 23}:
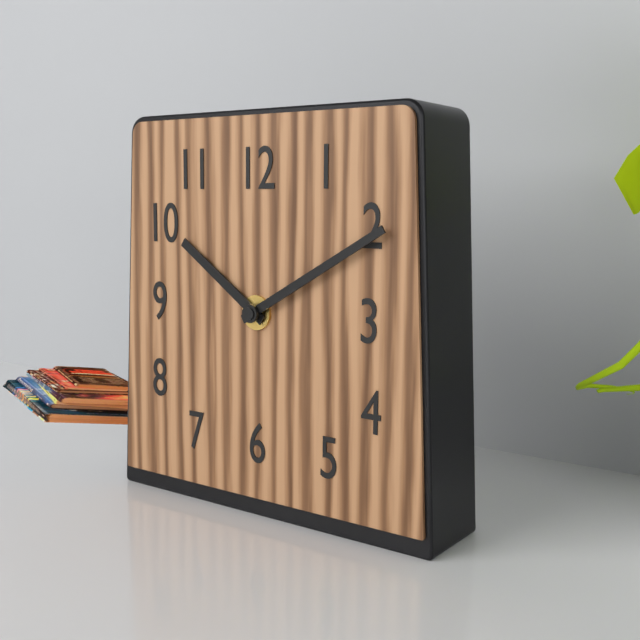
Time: {"hour": 10, "minute": 10}
